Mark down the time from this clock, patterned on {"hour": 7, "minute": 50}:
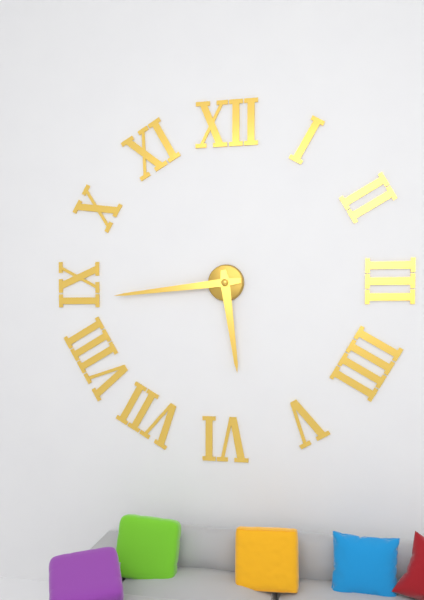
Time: {"hour": 5, "minute": 44}
